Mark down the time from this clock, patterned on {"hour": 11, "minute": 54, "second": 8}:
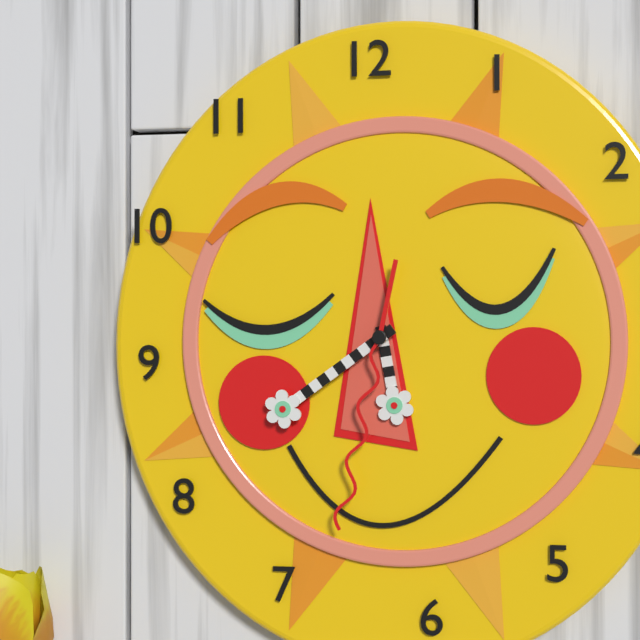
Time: {"hour": 5, "minute": 39, "second": 32}
